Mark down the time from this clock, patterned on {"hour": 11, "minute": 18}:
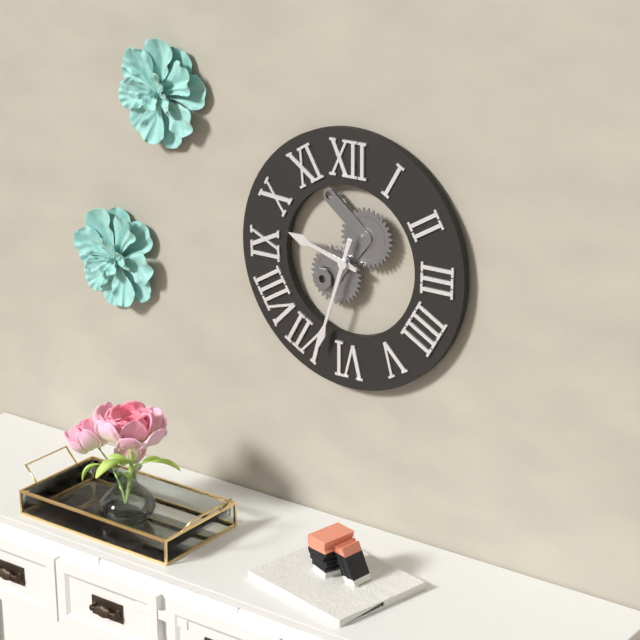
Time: {"hour": 9, "minute": 33}
